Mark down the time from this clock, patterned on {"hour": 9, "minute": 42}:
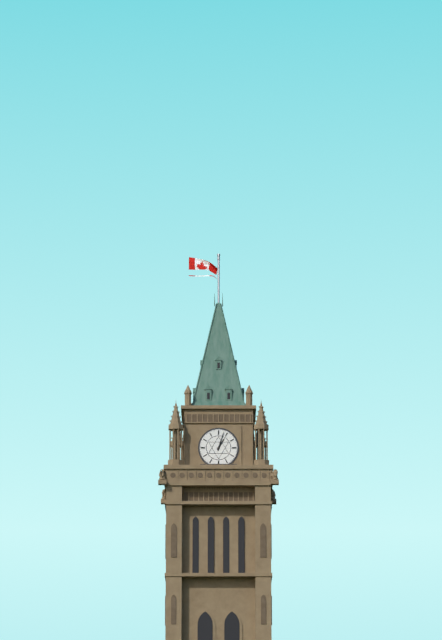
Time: {"hour": 1, "minute": 3}
